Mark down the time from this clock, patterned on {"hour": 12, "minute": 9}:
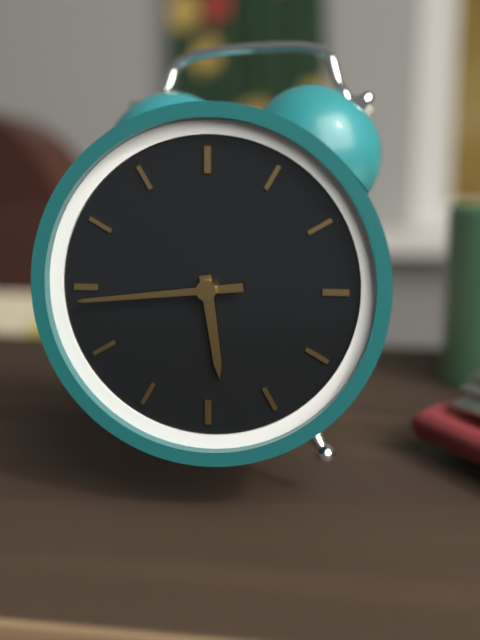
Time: {"hour": 5, "minute": 44}
